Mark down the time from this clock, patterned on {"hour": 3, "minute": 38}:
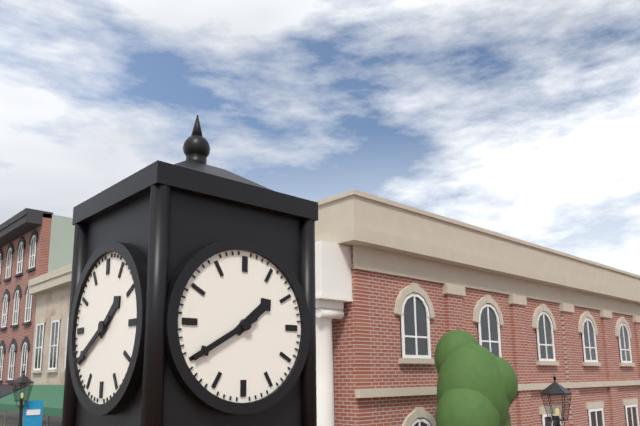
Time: {"hour": 1, "minute": 40}
